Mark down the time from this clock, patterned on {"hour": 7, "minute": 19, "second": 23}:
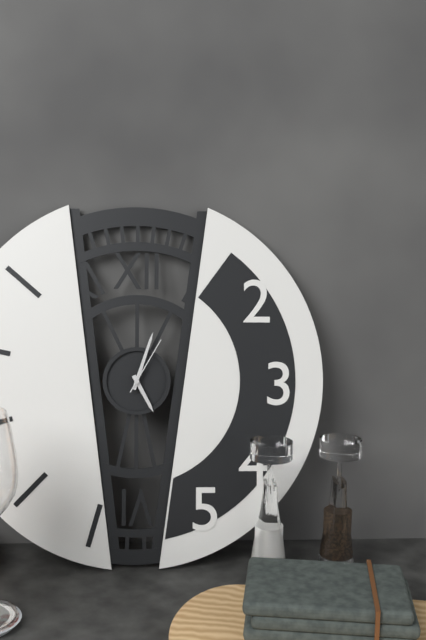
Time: {"hour": 5, "minute": 3, "second": 5}
